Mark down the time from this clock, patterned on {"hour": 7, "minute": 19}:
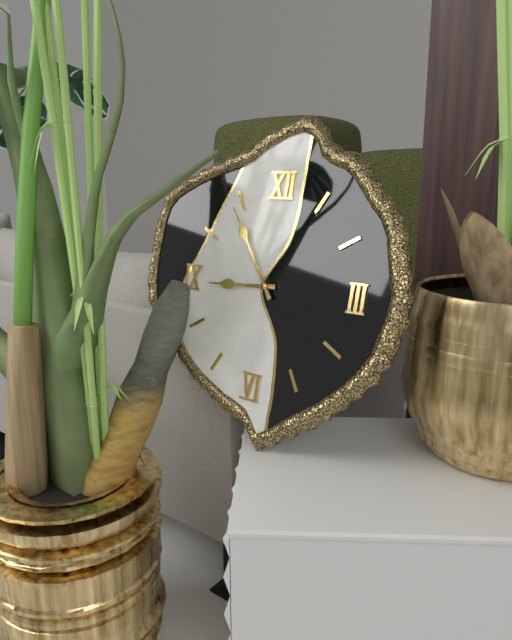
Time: {"hour": 8, "minute": 54}
